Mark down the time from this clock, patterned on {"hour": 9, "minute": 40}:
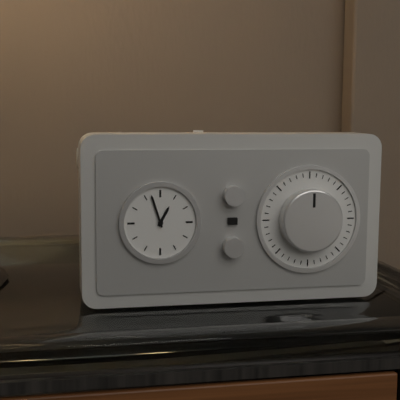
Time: {"hour": 12, "minute": 57}
